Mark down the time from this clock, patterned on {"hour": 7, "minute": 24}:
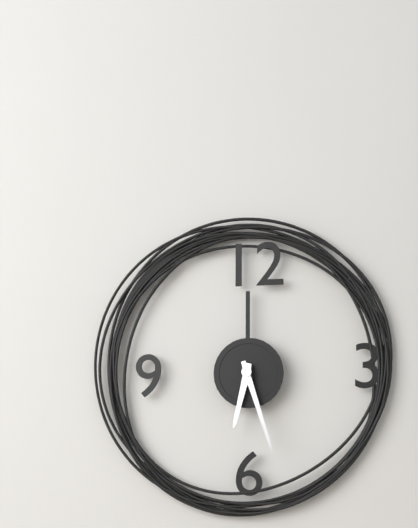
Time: {"hour": 6, "minute": 27}
